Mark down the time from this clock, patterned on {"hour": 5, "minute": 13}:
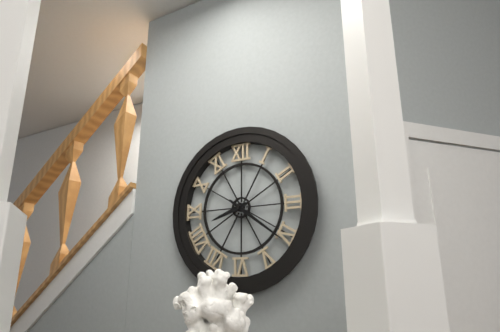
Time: {"hour": 8, "minute": 21}
